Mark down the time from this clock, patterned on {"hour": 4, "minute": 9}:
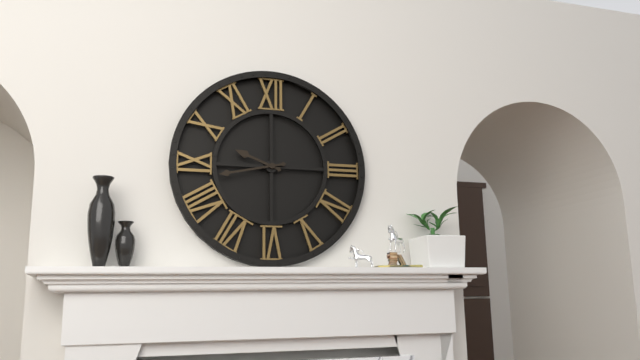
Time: {"hour": 9, "minute": 43}
